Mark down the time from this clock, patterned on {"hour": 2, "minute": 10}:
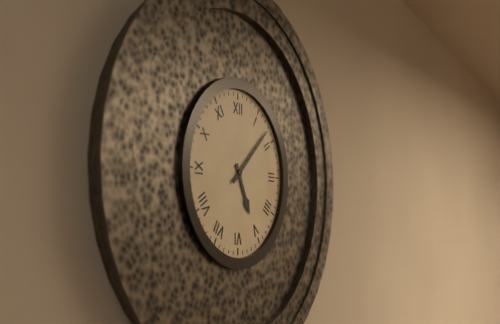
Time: {"hour": 5, "minute": 8}
